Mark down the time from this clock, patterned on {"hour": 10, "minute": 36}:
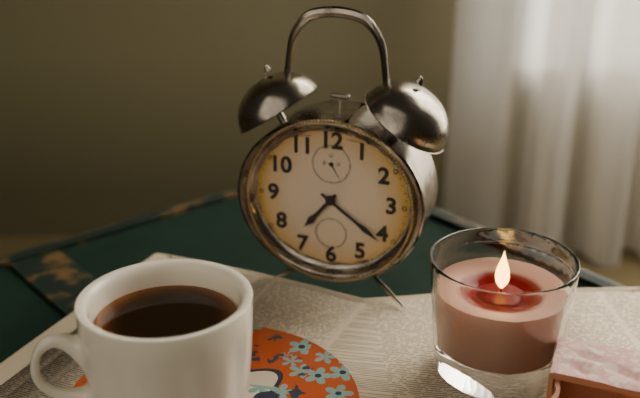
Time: {"hour": 7, "minute": 21}
